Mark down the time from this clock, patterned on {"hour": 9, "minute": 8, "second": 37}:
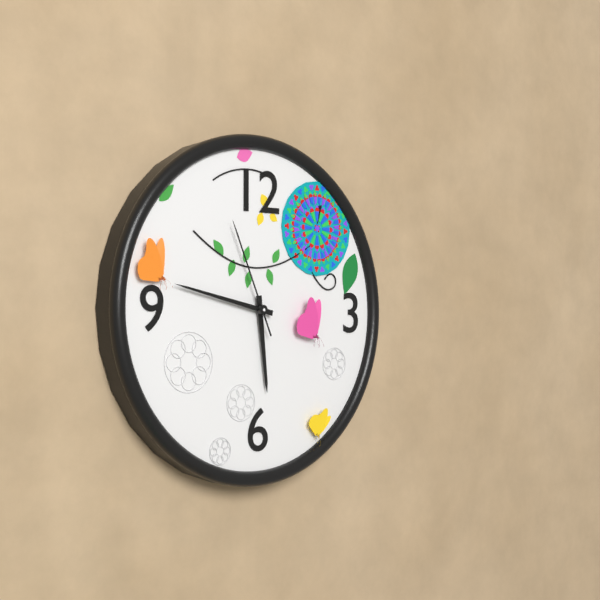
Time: {"hour": 5, "minute": 47, "second": 56}
